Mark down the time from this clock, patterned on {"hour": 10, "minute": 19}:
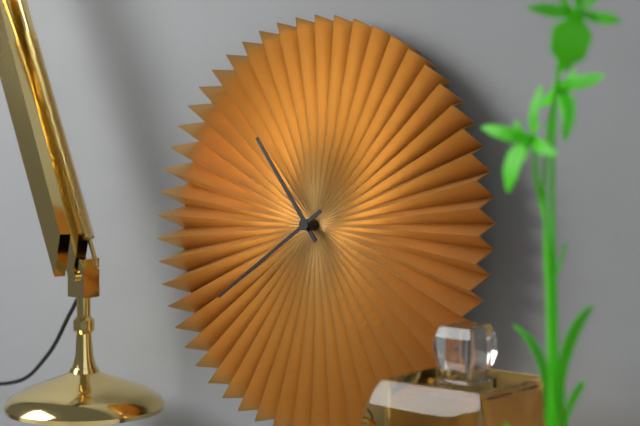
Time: {"hour": 10, "minute": 39}
